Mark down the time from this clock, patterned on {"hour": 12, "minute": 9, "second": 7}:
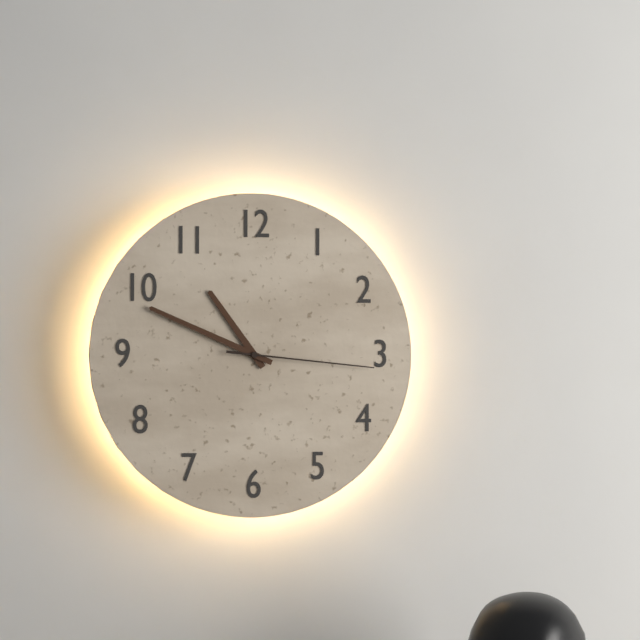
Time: {"hour": 10, "minute": 49, "second": 16}
